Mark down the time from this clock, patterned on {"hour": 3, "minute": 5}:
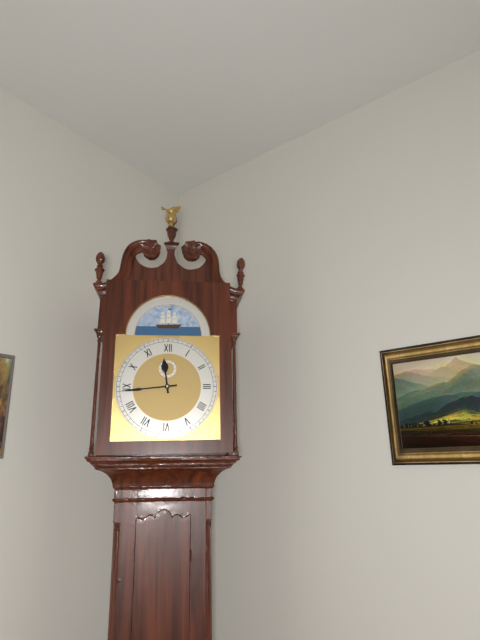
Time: {"hour": 11, "minute": 44}
